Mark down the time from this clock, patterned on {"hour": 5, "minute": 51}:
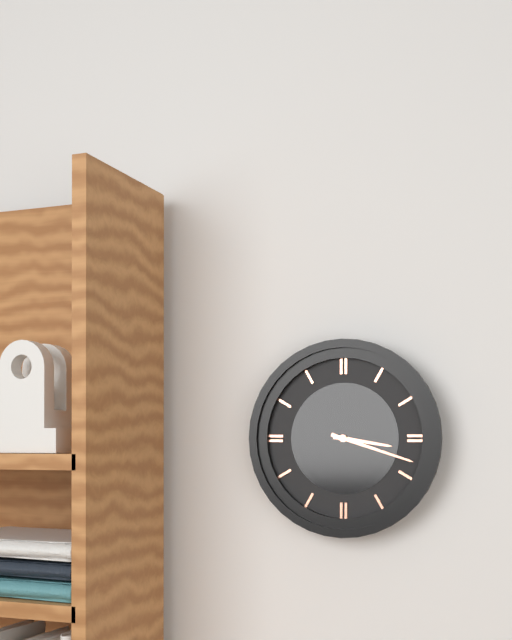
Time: {"hour": 3, "minute": 18}
